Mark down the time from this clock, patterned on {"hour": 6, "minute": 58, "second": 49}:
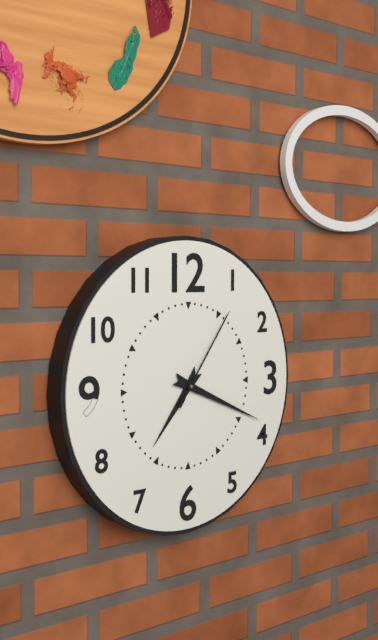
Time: {"hour": 7, "minute": 19, "second": 6}
